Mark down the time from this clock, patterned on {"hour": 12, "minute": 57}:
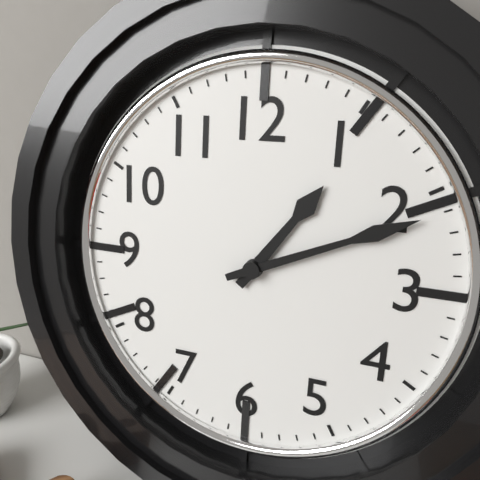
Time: {"hour": 1, "minute": 11}
